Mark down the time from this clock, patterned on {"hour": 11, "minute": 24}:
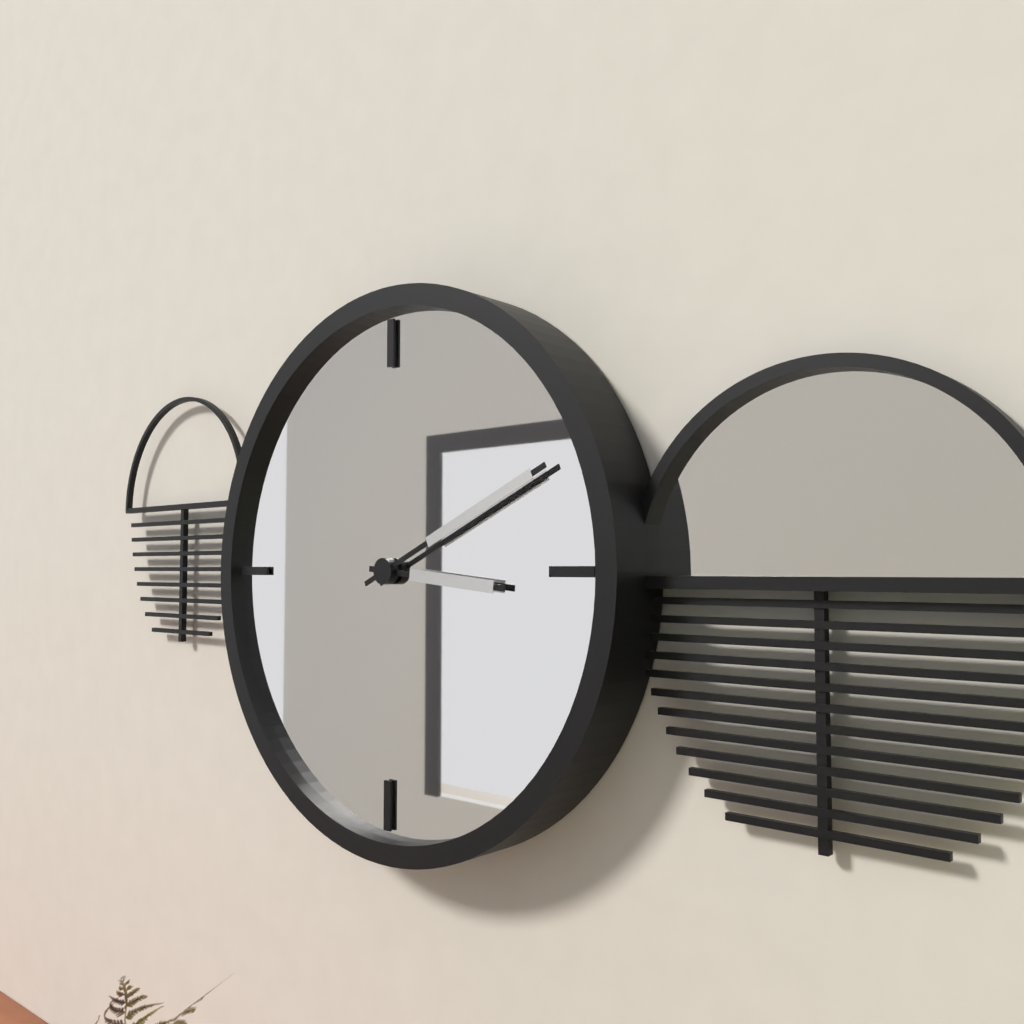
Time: {"hour": 3, "minute": 11}
